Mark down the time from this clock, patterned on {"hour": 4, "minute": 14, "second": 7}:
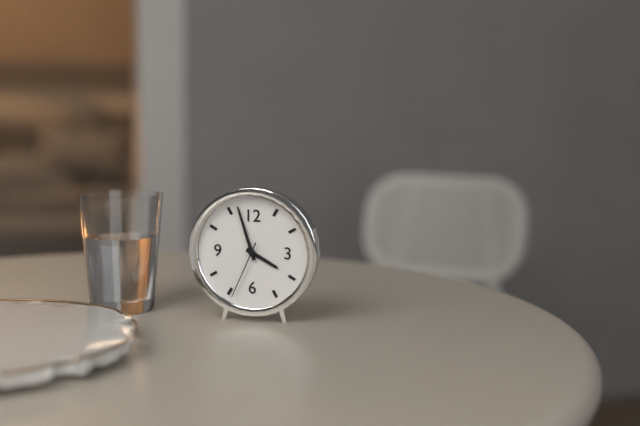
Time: {"hour": 3, "minute": 57, "second": 34}
